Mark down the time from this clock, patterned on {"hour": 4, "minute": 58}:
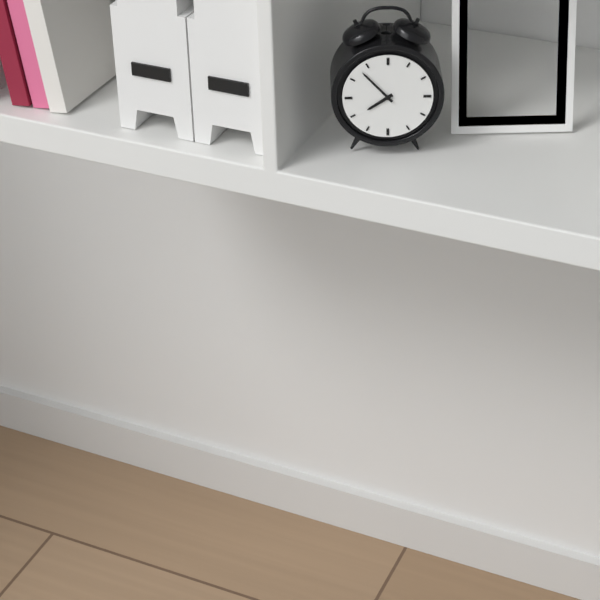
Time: {"hour": 7, "minute": 53}
